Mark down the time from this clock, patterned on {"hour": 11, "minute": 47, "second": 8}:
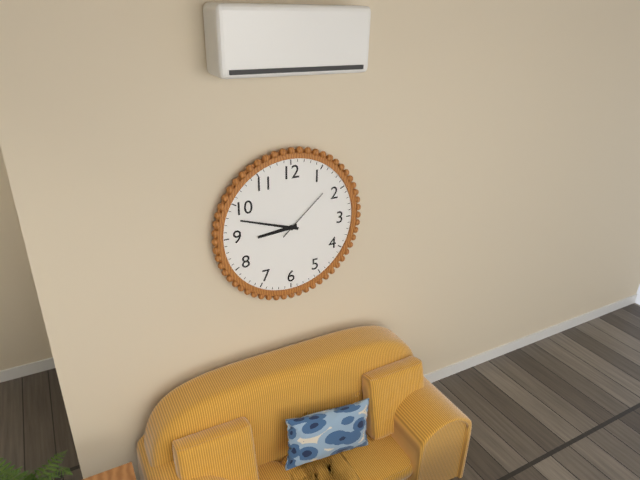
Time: {"hour": 8, "minute": 48, "second": 8}
